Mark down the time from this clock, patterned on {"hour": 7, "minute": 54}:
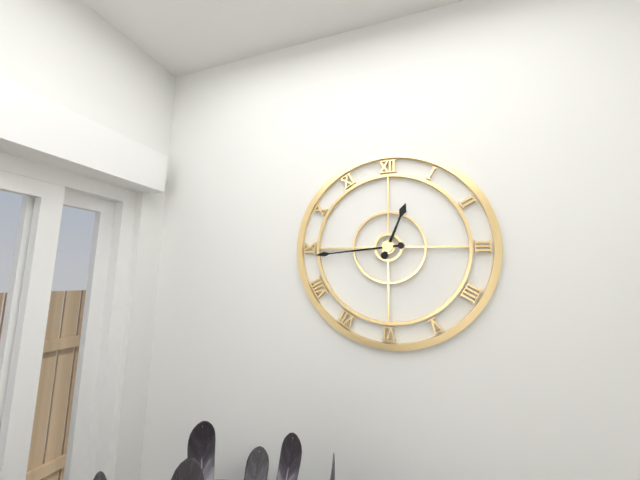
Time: {"hour": 12, "minute": 44}
